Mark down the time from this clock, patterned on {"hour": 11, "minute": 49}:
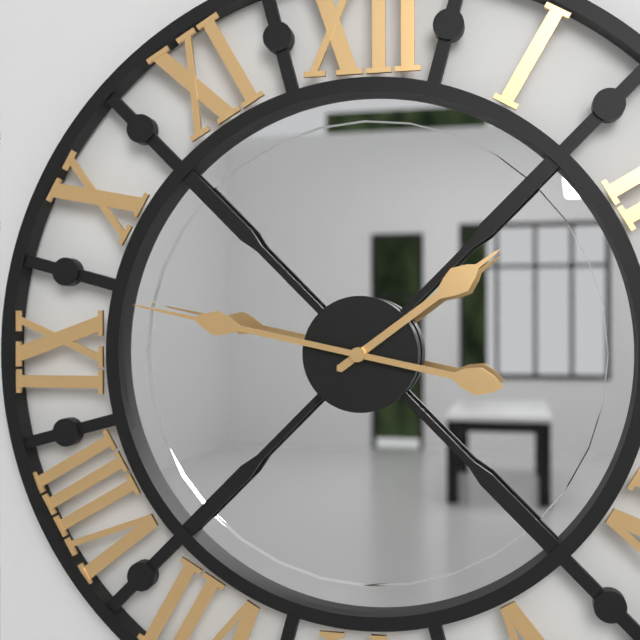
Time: {"hour": 1, "minute": 47}
